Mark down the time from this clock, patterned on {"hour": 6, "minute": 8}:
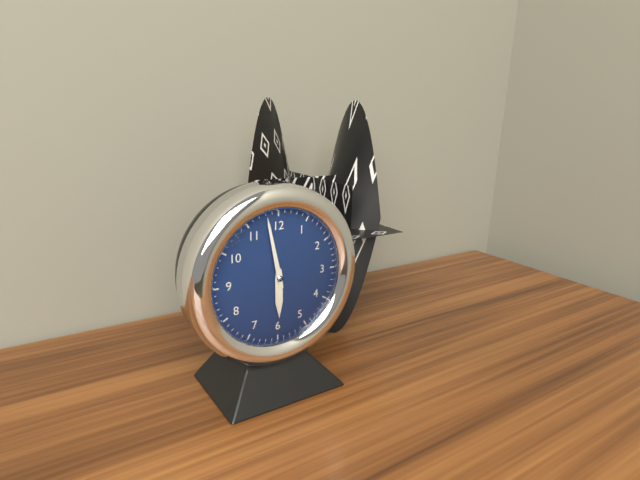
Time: {"hour": 5, "minute": 58}
